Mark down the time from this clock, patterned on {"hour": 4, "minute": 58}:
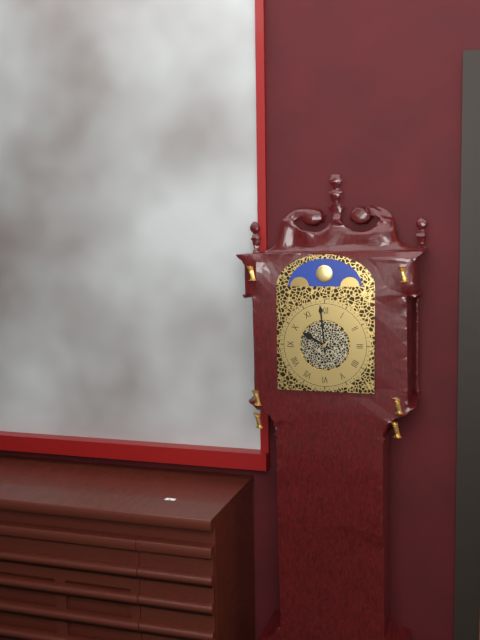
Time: {"hour": 9, "minute": 59}
